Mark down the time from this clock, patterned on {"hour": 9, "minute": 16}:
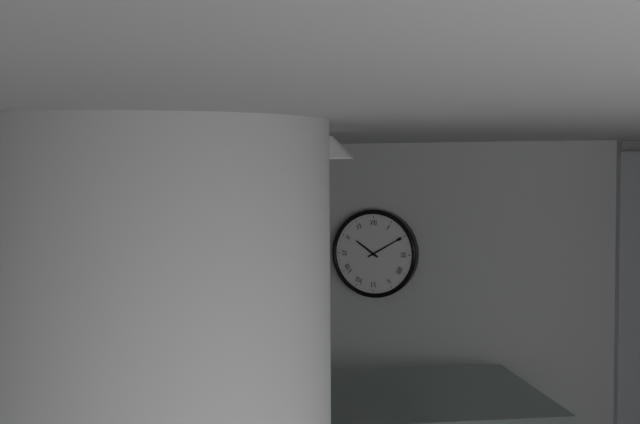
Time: {"hour": 10, "minute": 10}
